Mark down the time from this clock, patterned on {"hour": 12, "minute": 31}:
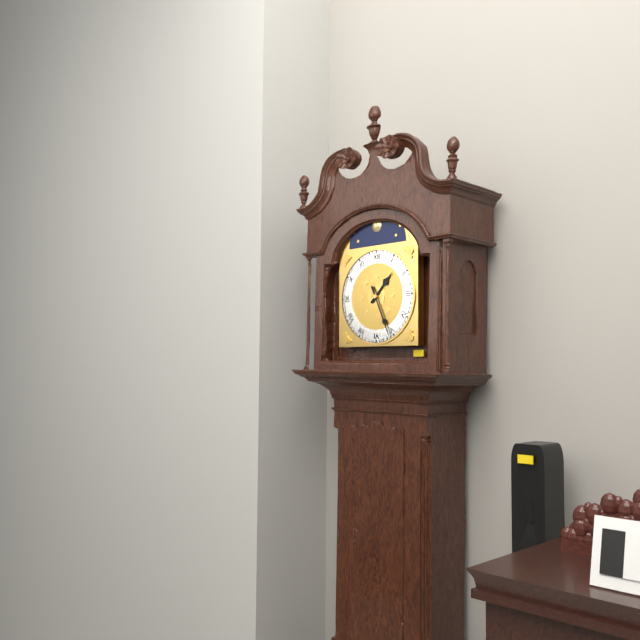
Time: {"hour": 1, "minute": 26}
